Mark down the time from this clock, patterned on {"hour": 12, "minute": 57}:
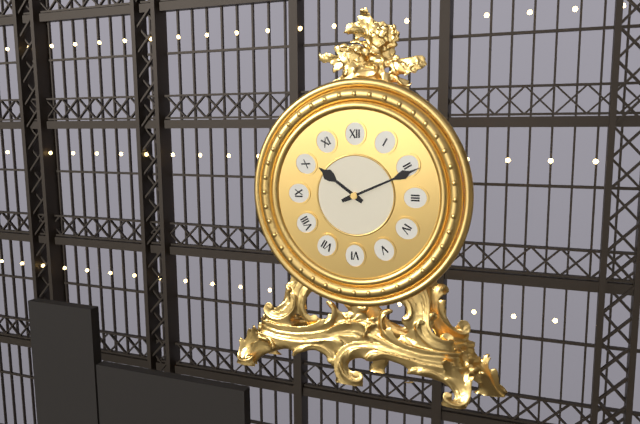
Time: {"hour": 10, "minute": 11}
